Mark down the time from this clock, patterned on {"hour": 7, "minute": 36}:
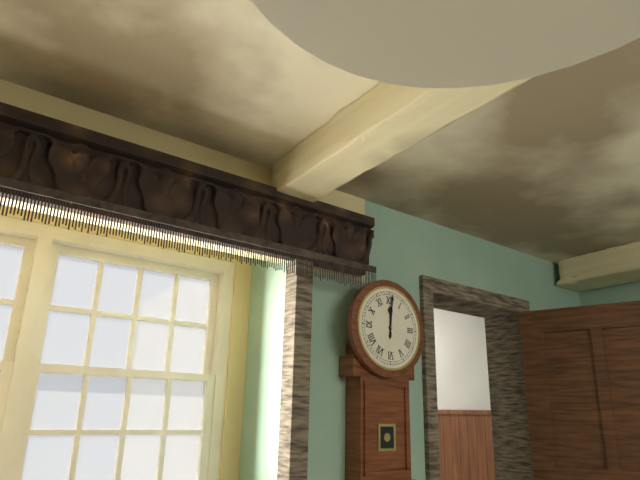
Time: {"hour": 12, "minute": 1}
